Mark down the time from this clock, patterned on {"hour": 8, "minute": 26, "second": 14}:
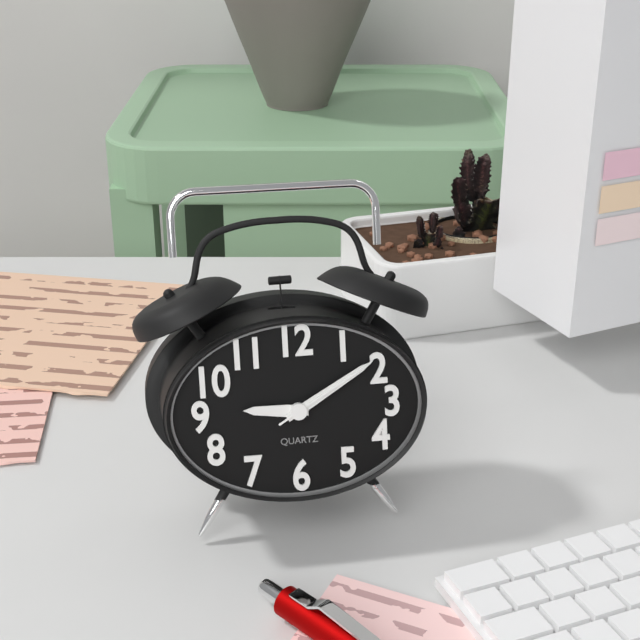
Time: {"hour": 9, "minute": 10, "second": 10}
